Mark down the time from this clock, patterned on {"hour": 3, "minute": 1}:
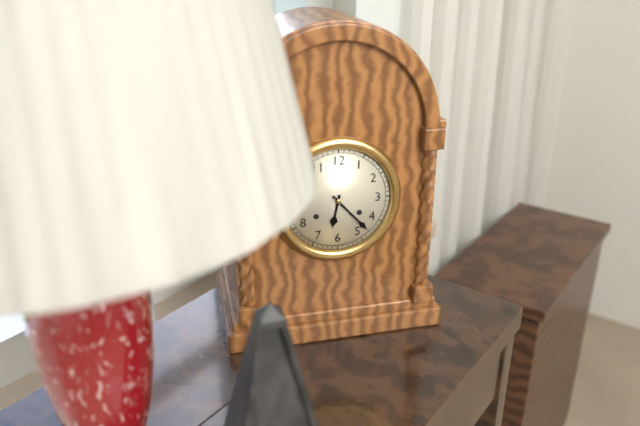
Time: {"hour": 6, "minute": 23}
